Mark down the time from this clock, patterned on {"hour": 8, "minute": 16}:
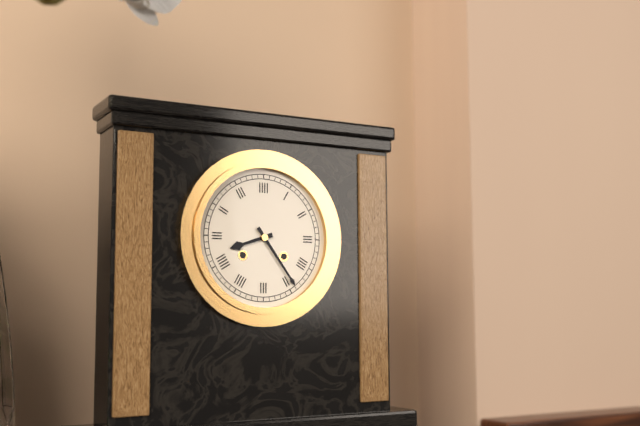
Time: {"hour": 8, "minute": 24}
